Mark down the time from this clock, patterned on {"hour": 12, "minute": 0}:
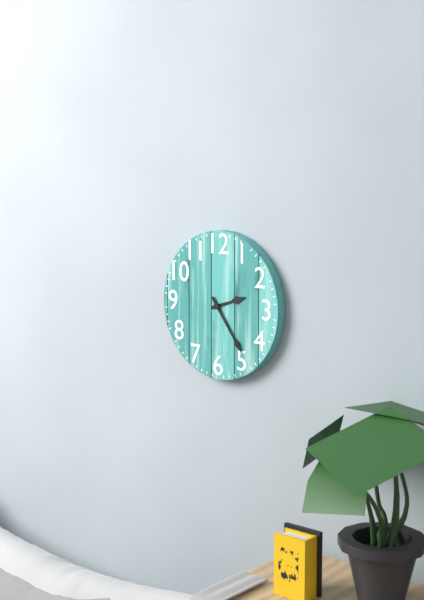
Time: {"hour": 2, "minute": 24}
